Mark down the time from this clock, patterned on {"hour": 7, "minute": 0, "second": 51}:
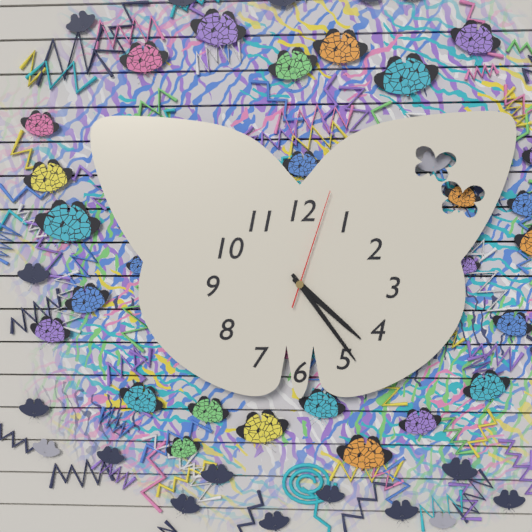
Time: {"hour": 4, "minute": 24, "second": 3}
